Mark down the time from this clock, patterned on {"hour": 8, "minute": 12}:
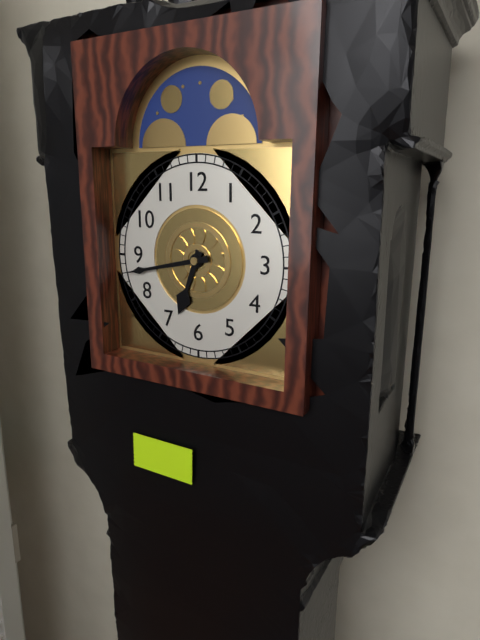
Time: {"hour": 6, "minute": 43}
